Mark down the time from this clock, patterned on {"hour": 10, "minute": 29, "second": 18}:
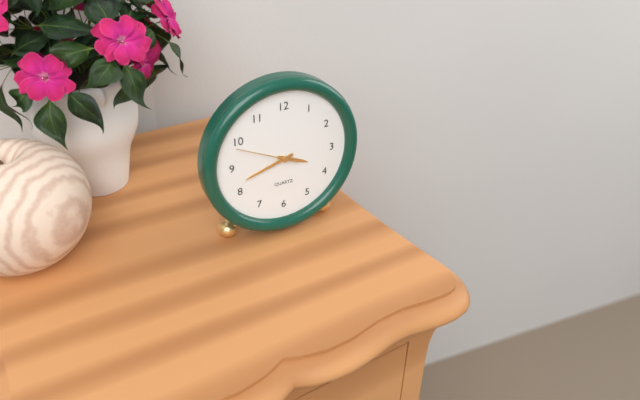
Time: {"hour": 3, "minute": 42, "second": 49}
